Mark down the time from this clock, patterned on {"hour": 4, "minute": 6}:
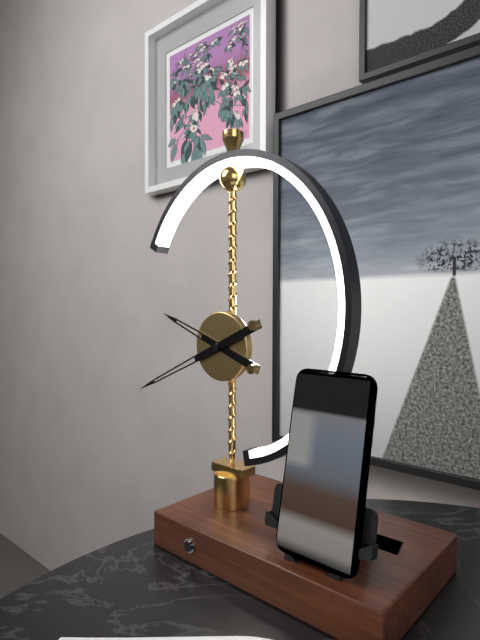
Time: {"hour": 9, "minute": 41}
